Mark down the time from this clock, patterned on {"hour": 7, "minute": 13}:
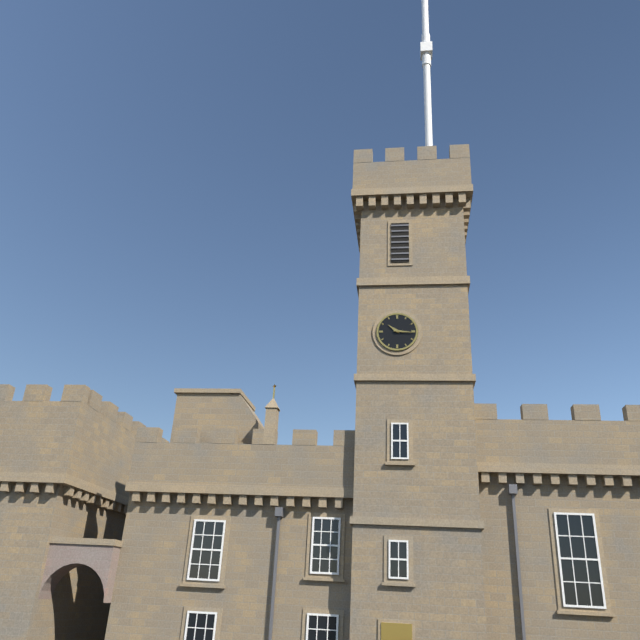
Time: {"hour": 10, "minute": 16}
